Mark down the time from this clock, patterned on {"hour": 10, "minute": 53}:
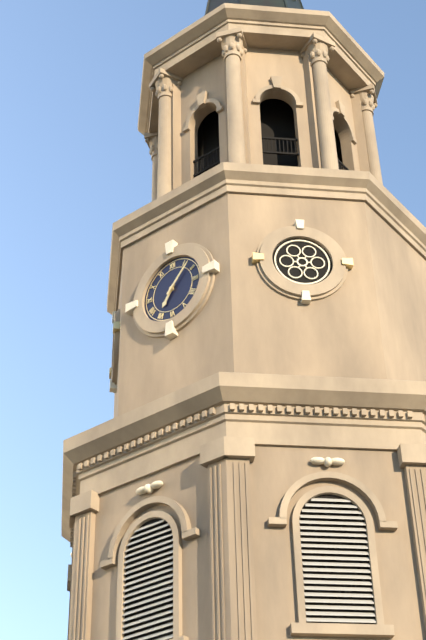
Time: {"hour": 7, "minute": 7}
